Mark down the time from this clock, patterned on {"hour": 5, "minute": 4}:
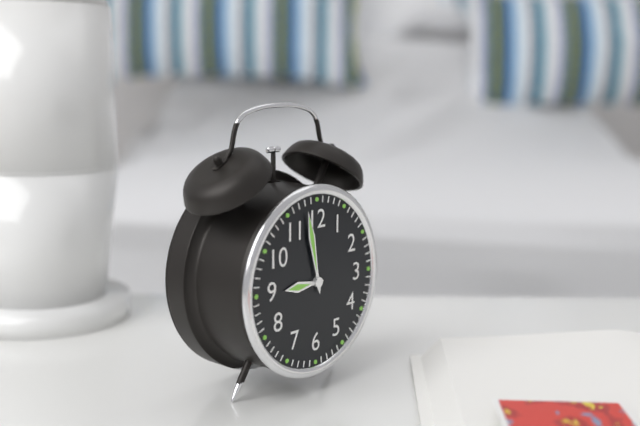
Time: {"hour": 8, "minute": 58}
